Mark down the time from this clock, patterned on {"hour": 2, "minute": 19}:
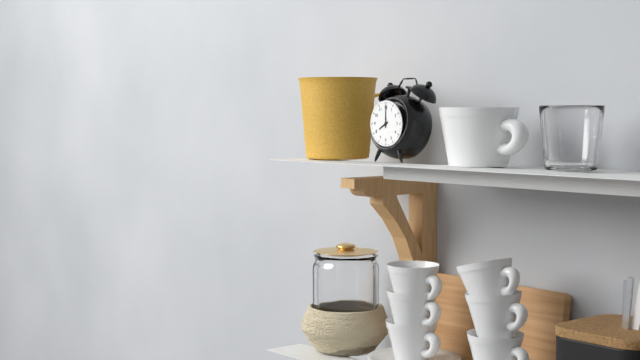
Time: {"hour": 8, "minute": 0}
